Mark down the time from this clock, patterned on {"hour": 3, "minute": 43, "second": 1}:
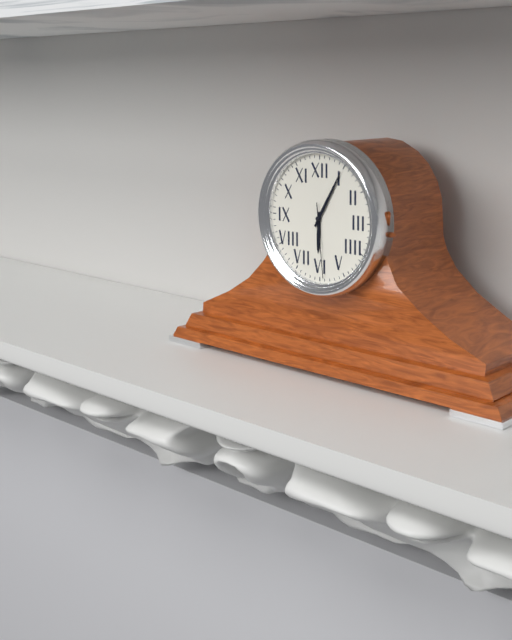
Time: {"hour": 6, "minute": 5, "second": 29}
